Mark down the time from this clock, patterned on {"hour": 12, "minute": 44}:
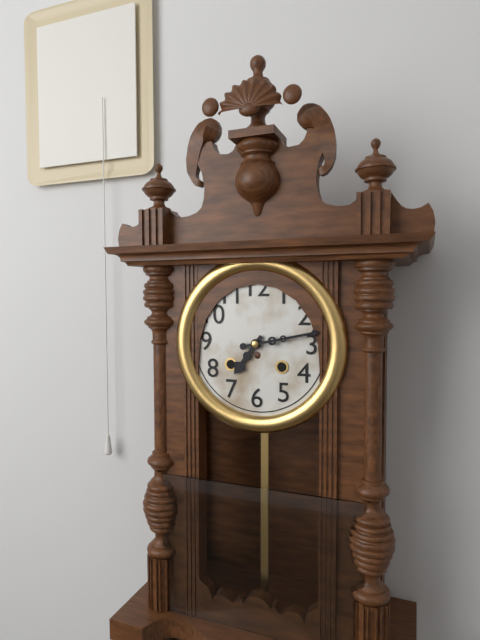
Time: {"hour": 7, "minute": 13}
